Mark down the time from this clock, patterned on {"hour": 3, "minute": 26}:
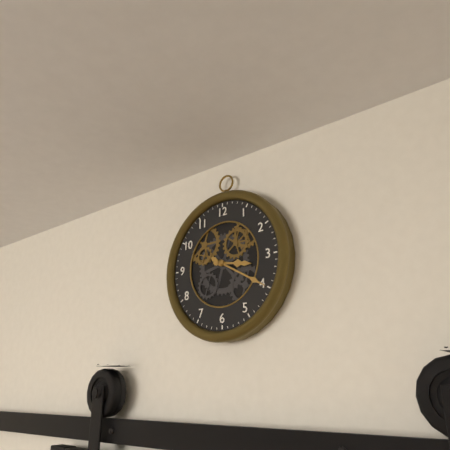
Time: {"hour": 3, "minute": 20}
